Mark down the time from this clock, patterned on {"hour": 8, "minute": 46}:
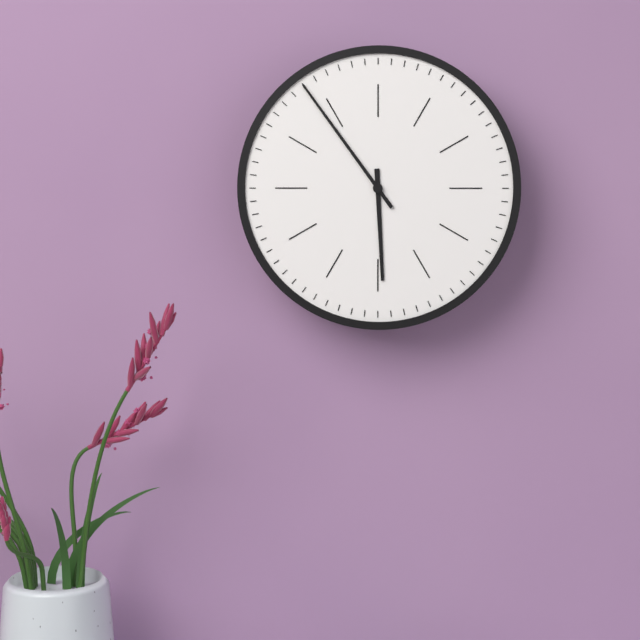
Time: {"hour": 5, "minute": 54}
